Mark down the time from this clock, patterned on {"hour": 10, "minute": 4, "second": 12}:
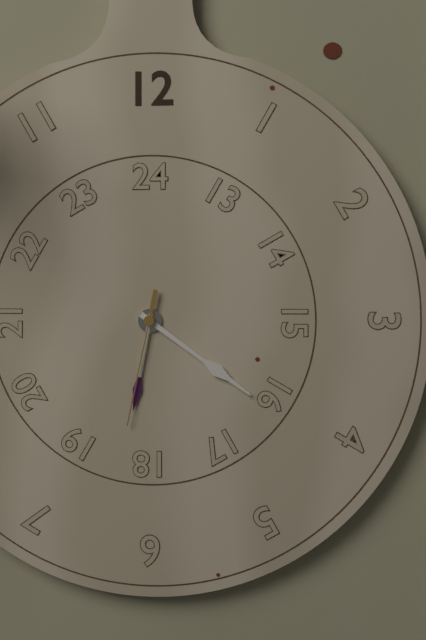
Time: {"hour": 6, "minute": 21, "second": 32}
